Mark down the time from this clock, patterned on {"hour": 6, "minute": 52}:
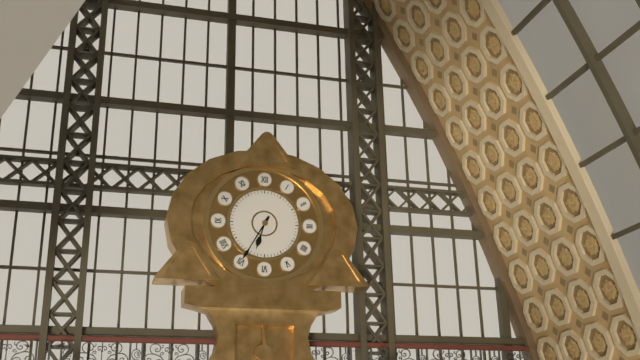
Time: {"hour": 6, "minute": 35}
